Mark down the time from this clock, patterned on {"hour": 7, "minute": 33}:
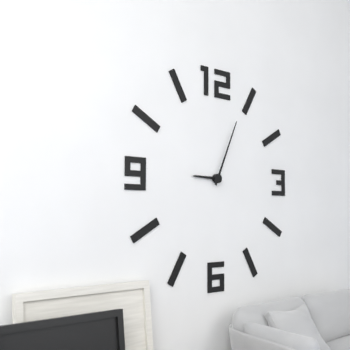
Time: {"hour": 9, "minute": 4}
